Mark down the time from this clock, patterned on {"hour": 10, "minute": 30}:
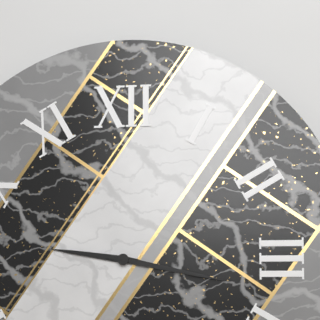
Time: {"hour": 9, "minute": 17}
